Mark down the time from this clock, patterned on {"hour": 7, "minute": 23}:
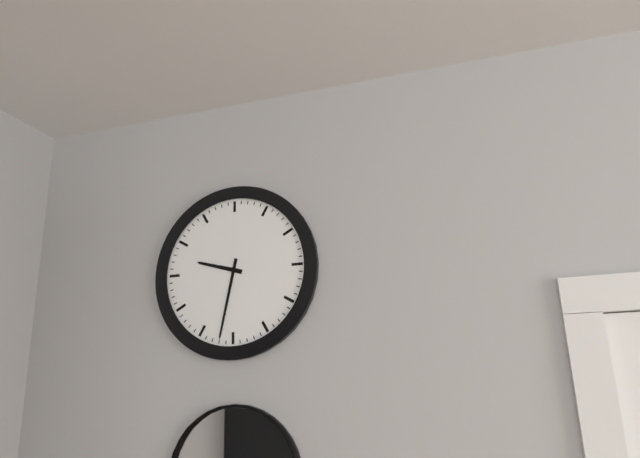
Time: {"hour": 9, "minute": 32}
